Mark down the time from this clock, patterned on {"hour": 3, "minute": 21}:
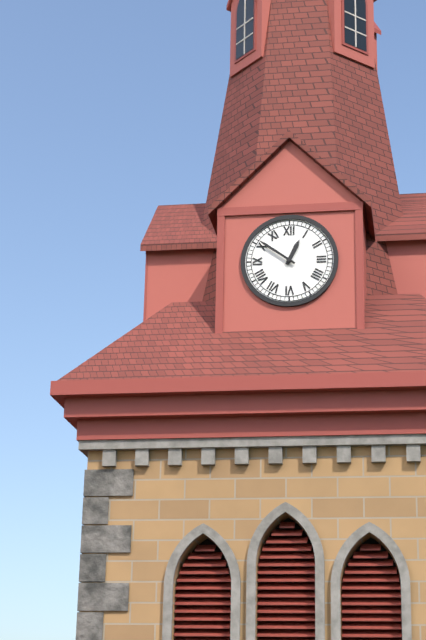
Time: {"hour": 12, "minute": 51}
